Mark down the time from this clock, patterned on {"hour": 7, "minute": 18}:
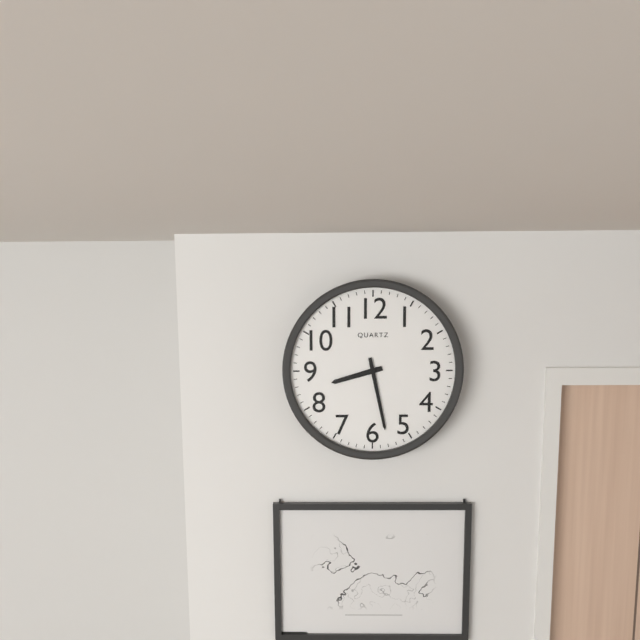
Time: {"hour": 8, "minute": 28}
